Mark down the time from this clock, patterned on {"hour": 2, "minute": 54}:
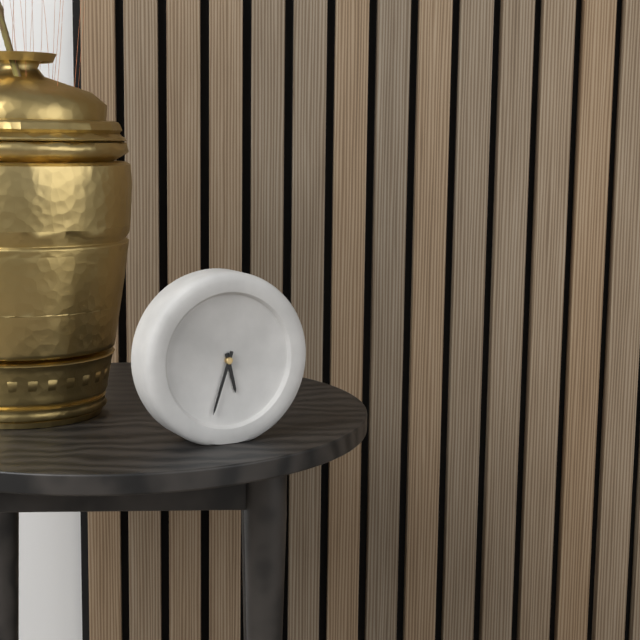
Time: {"hour": 5, "minute": 33}
